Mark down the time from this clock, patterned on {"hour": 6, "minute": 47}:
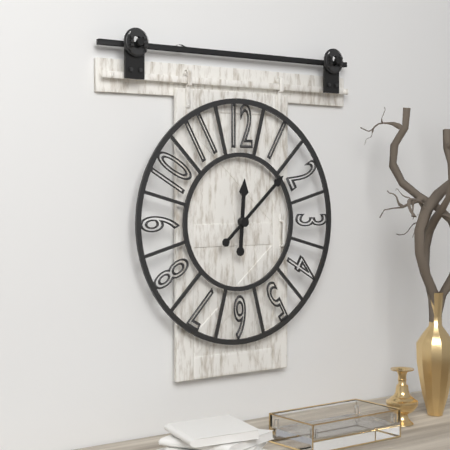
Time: {"hour": 12, "minute": 8}
